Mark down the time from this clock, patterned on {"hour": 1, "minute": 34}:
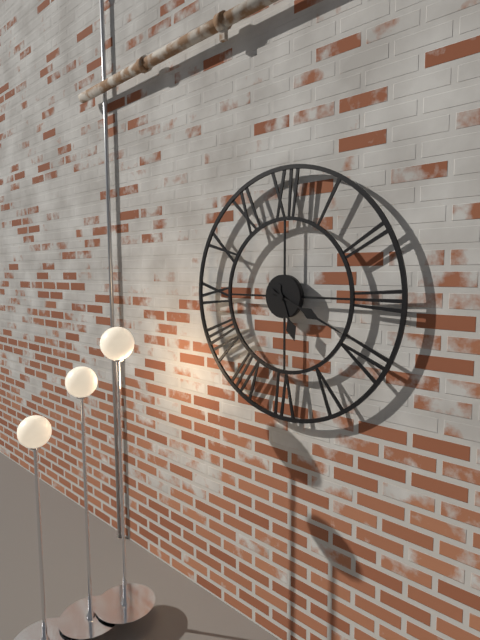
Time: {"hour": 5, "minute": 19}
